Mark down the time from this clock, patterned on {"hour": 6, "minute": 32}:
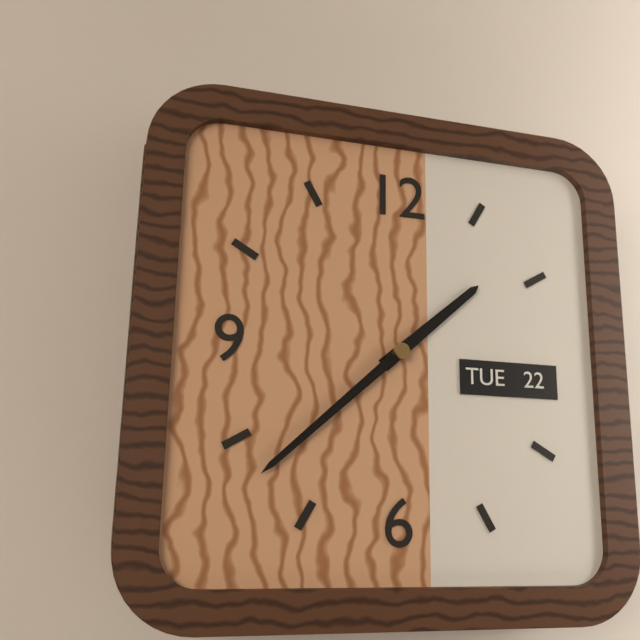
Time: {"hour": 1, "minute": 38}
